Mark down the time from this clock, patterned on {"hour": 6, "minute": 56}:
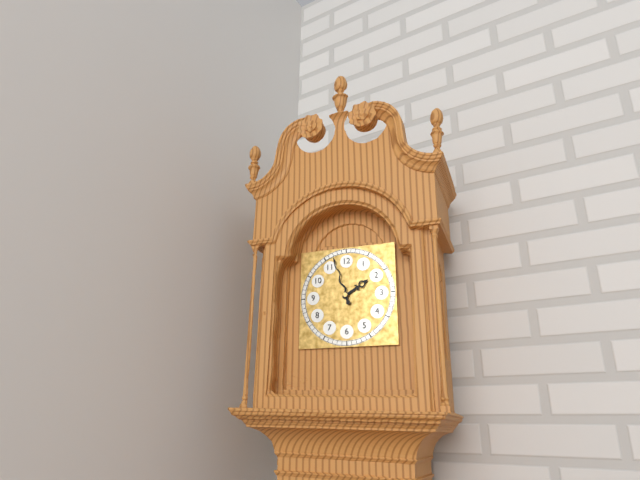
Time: {"hour": 1, "minute": 57}
